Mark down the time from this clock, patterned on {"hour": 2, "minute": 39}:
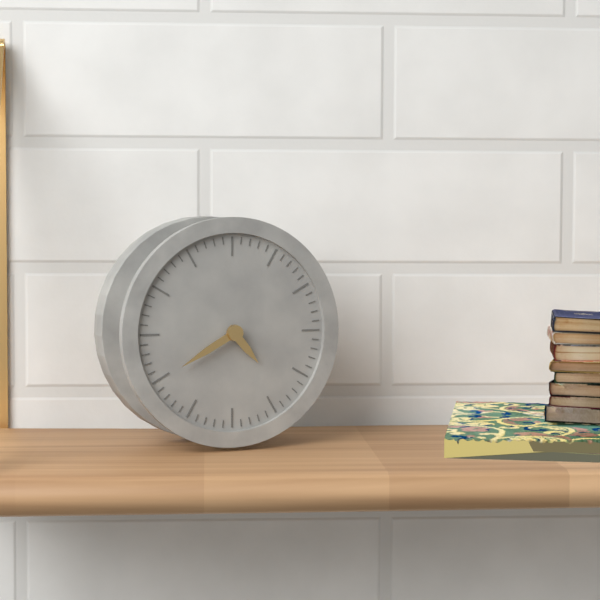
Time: {"hour": 4, "minute": 40}
